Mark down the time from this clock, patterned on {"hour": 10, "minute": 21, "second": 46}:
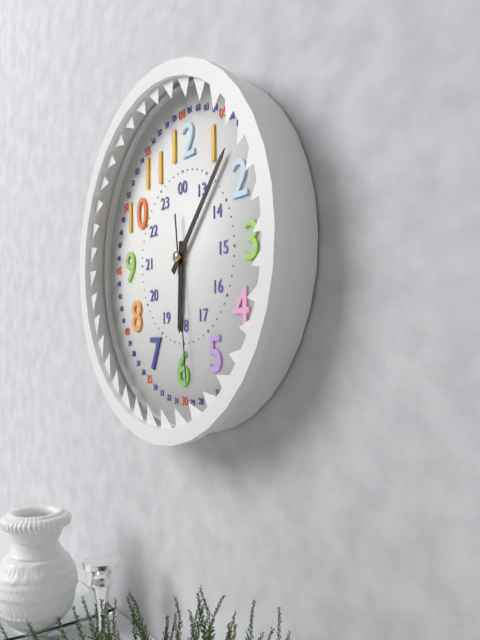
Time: {"hour": 6, "minute": 7, "second": 29}
